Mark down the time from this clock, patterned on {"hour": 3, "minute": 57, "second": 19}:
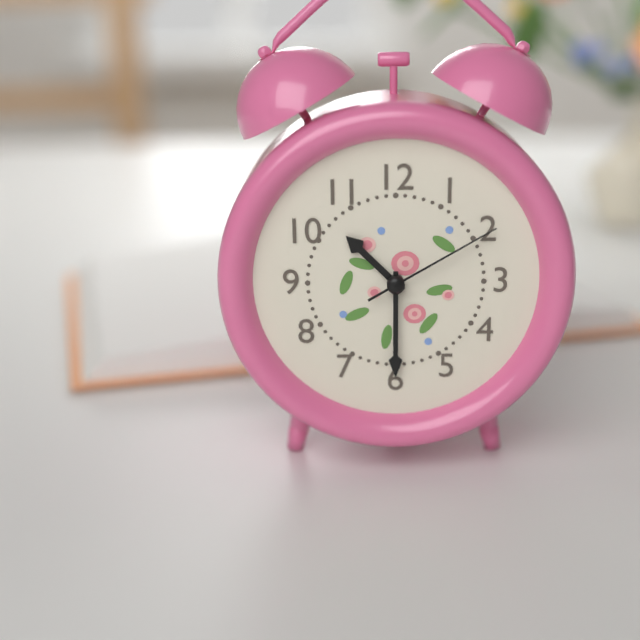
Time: {"hour": 10, "minute": 30, "second": 10}
